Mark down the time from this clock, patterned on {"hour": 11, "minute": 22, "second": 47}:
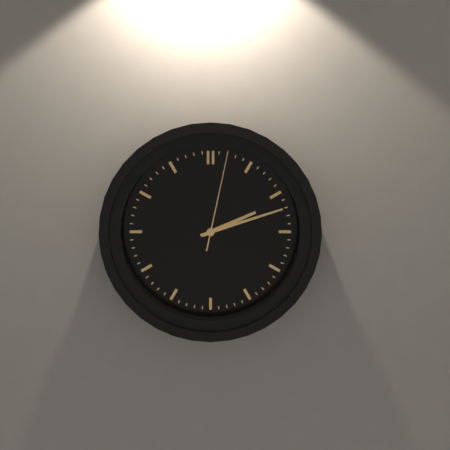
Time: {"hour": 2, "minute": 12, "second": 2}
